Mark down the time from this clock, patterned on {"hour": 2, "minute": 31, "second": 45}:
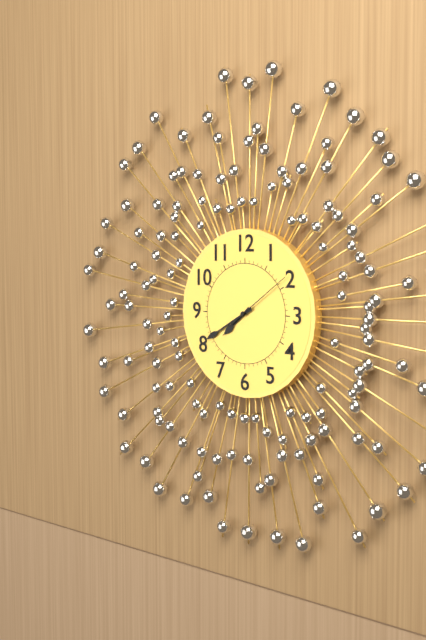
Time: {"hour": 7, "minute": 40, "second": 9}
